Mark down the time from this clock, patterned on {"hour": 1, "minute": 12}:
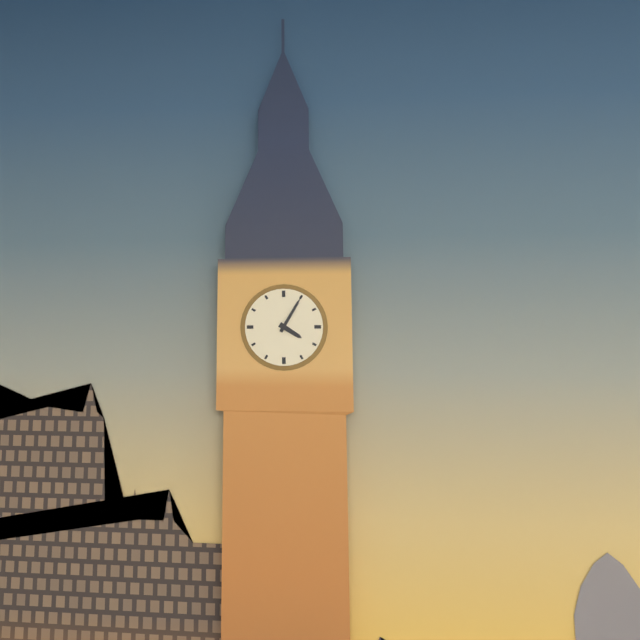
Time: {"hour": 4, "minute": 5}
